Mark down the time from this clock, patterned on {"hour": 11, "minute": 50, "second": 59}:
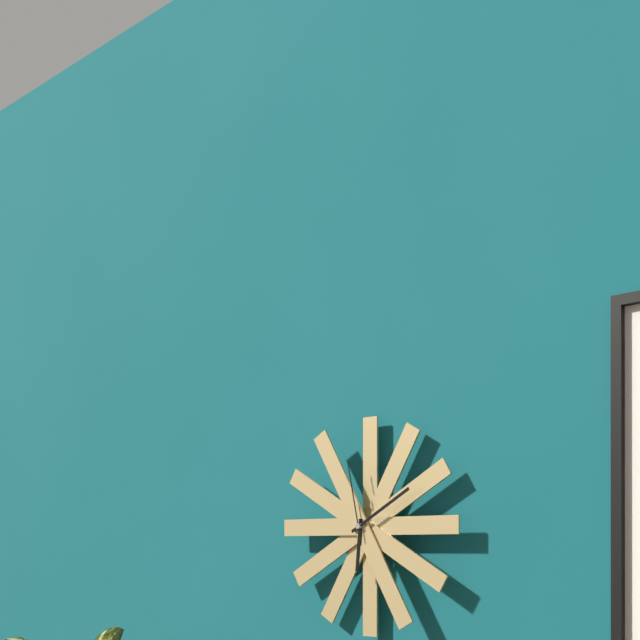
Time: {"hour": 6, "minute": 10, "second": 58}
